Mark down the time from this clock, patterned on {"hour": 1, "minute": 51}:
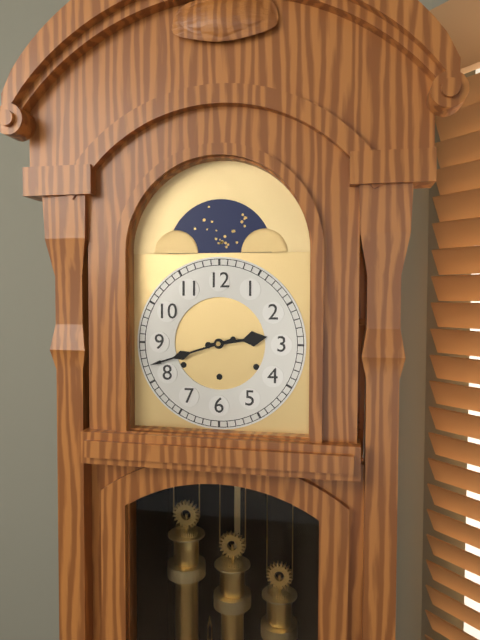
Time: {"hour": 2, "minute": 42}
